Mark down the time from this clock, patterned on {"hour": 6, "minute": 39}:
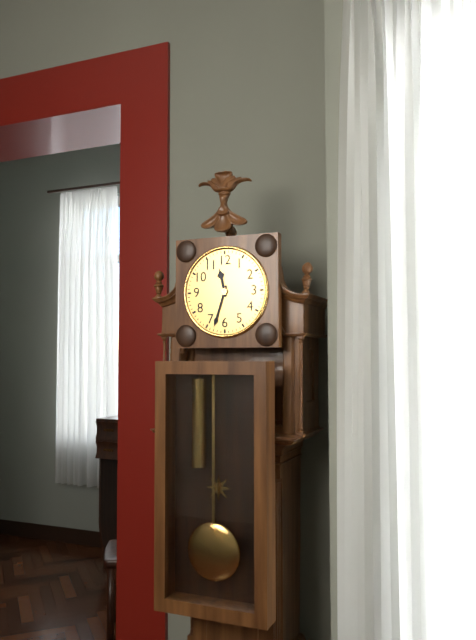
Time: {"hour": 11, "minute": 33}
